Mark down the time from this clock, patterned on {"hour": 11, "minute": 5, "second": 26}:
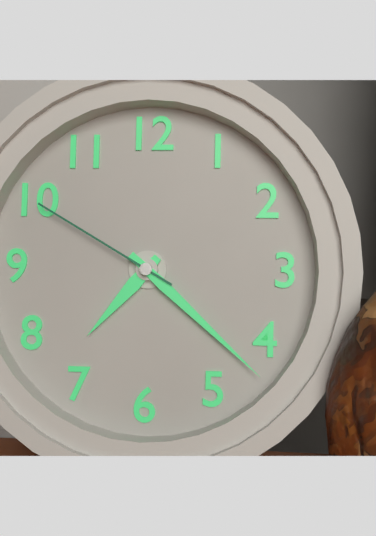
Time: {"hour": 7, "minute": 22, "second": 50}
